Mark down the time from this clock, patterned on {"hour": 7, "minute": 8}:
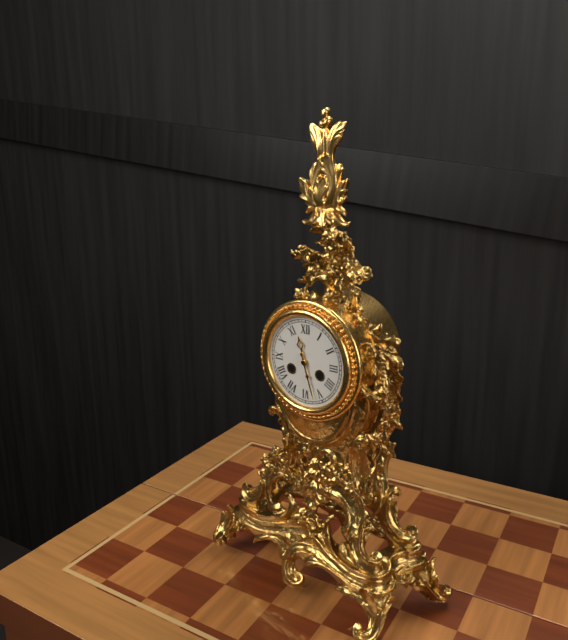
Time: {"hour": 11, "minute": 27}
